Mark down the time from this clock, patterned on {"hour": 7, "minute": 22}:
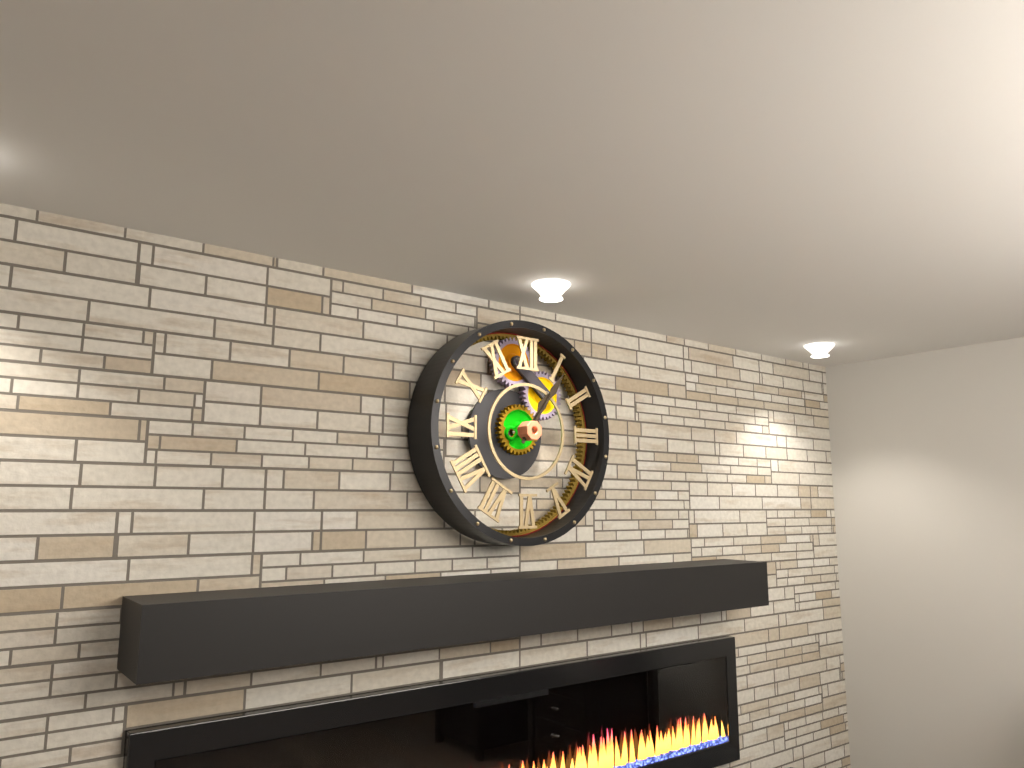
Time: {"hour": 1, "minute": 6}
